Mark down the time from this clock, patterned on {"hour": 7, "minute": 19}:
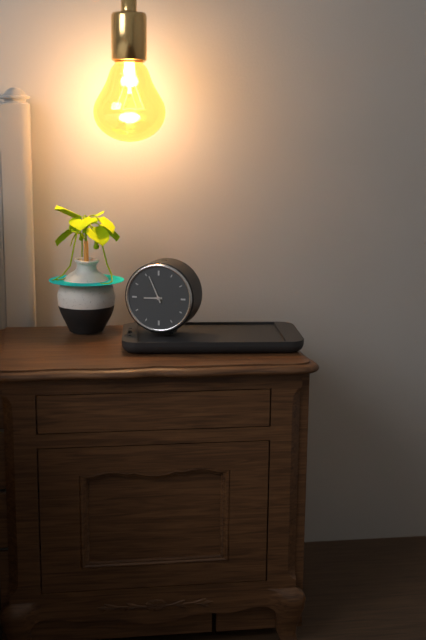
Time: {"hour": 8, "minute": 56}
